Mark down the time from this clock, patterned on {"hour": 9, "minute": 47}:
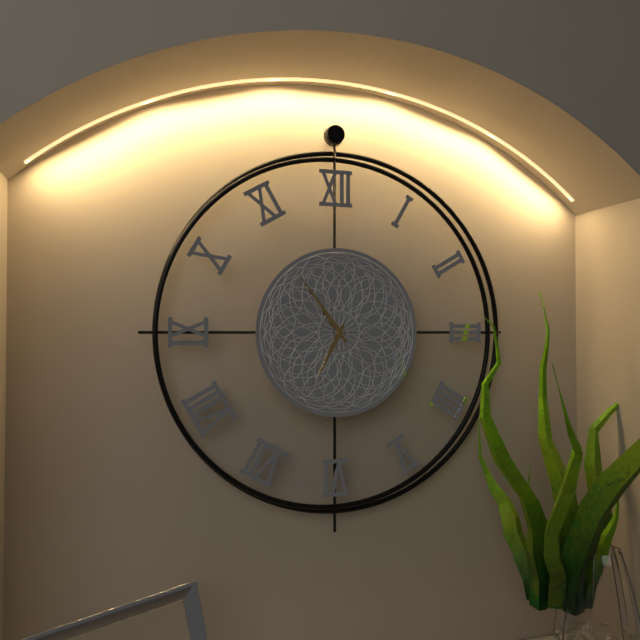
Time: {"hour": 6, "minute": 54}
